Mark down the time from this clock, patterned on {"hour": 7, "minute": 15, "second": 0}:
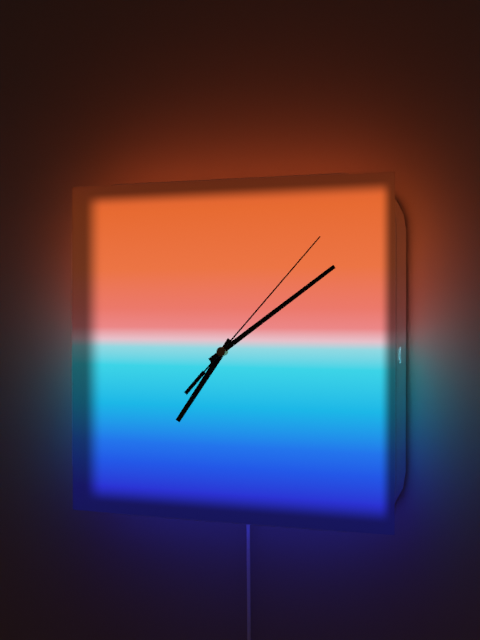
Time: {"hour": 7, "minute": 9, "second": 7}
